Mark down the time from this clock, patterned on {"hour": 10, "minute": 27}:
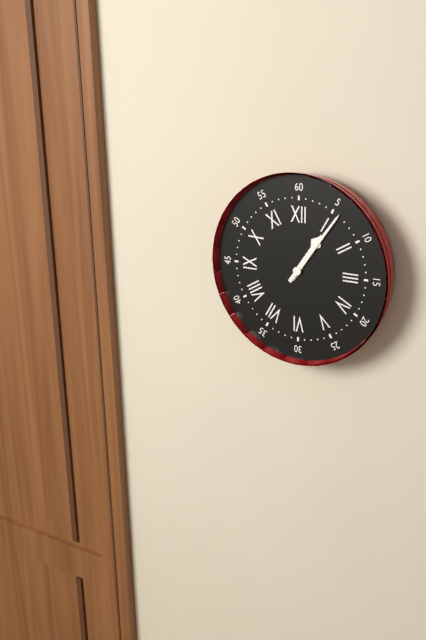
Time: {"hour": 1, "minute": 6}
